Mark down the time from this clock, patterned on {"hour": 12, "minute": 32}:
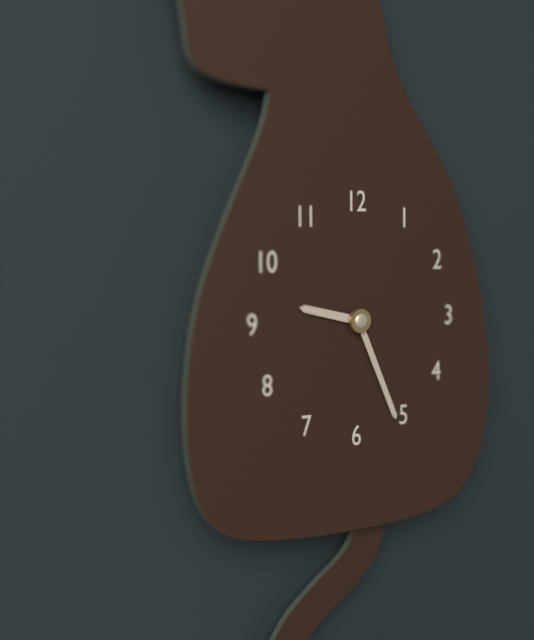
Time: {"hour": 9, "minute": 26}
